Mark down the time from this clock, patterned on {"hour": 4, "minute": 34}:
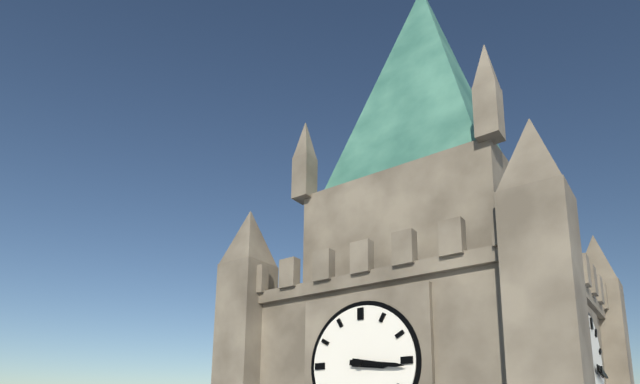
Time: {"hour": 3, "minute": 16}
